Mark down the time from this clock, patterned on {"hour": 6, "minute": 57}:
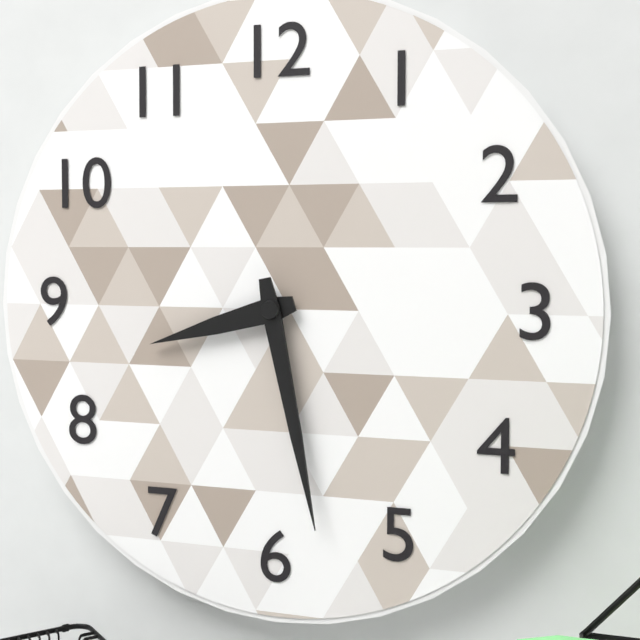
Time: {"hour": 8, "minute": 28}
